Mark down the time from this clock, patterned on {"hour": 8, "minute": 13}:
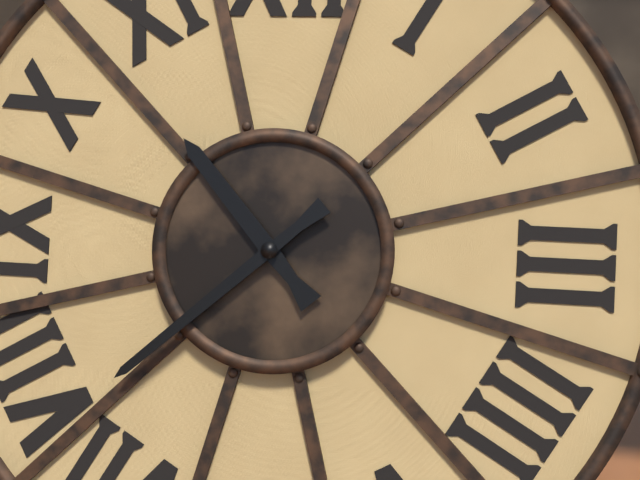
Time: {"hour": 10, "minute": 38}
